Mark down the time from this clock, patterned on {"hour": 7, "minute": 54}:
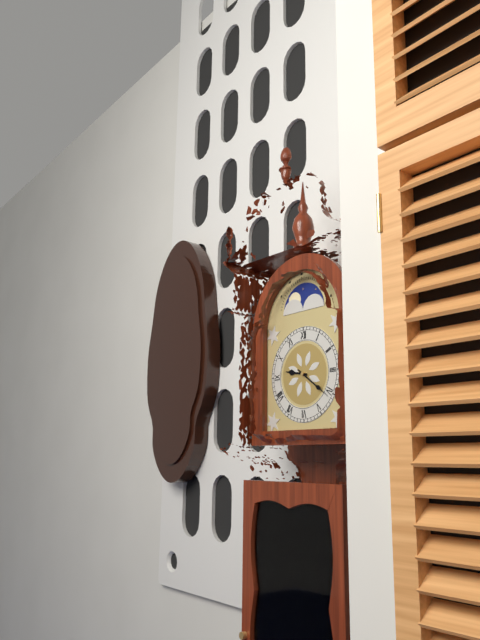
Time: {"hour": 9, "minute": 21}
